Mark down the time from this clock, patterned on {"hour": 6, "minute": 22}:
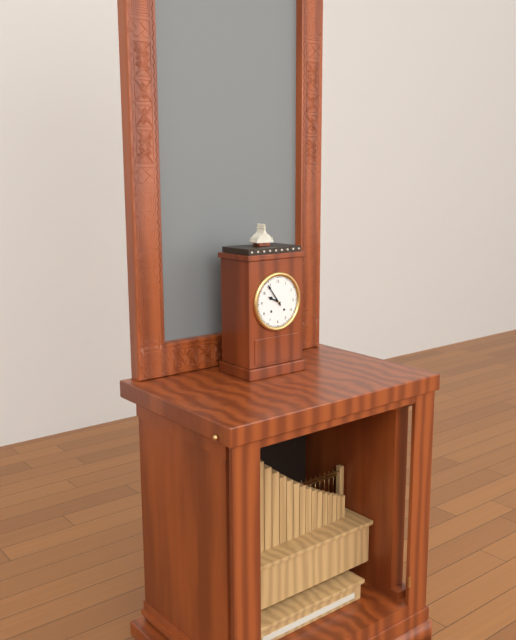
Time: {"hour": 9, "minute": 54}
